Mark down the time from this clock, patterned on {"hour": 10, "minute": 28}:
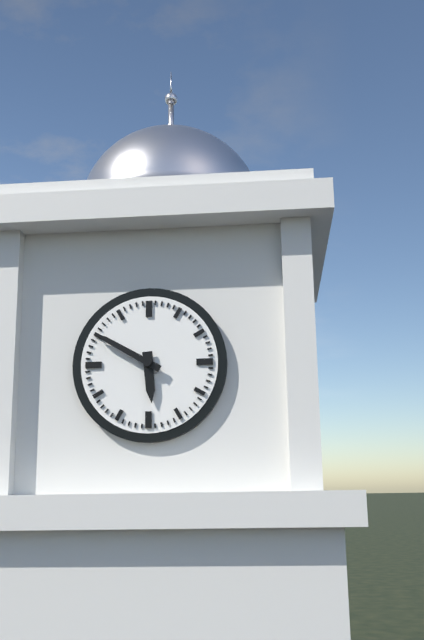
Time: {"hour": 5, "minute": 50}
